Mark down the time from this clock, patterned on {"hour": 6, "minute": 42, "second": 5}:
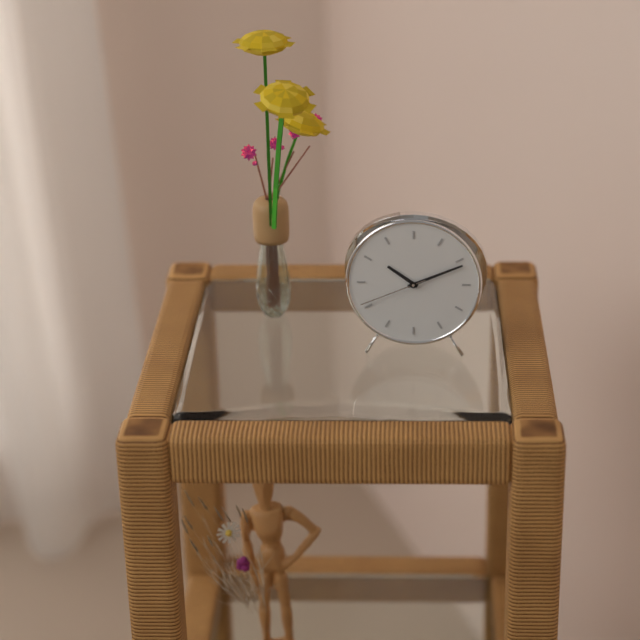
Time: {"hour": 10, "minute": 11, "second": 41}
